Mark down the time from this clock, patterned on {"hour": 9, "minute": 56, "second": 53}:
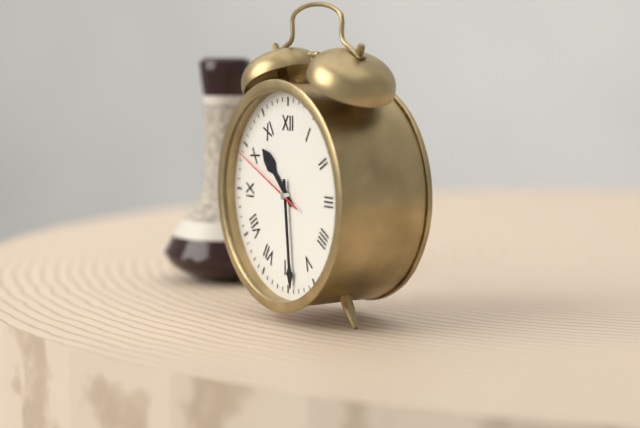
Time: {"hour": 10, "minute": 29, "second": 49}
